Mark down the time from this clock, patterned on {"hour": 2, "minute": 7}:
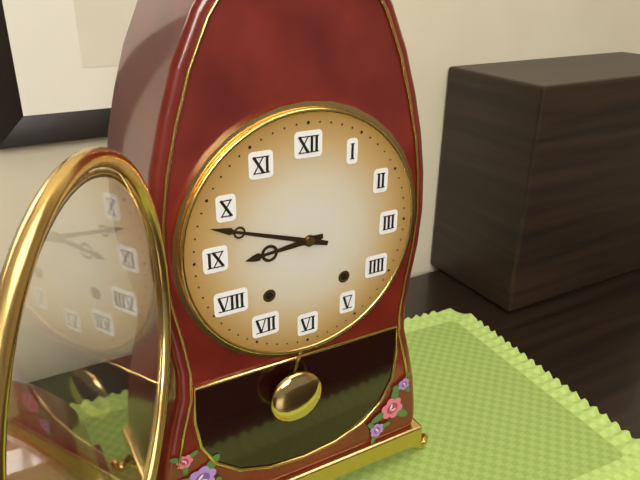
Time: {"hour": 8, "minute": 48}
